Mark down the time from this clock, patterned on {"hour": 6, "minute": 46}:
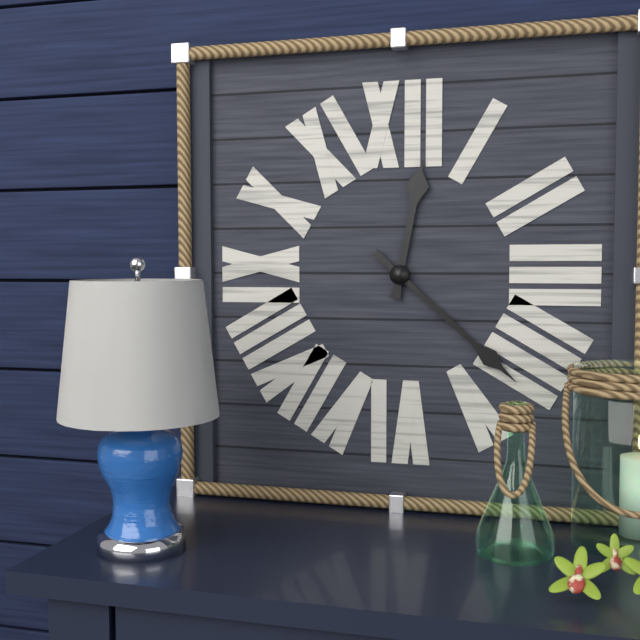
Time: {"hour": 12, "minute": 22}
